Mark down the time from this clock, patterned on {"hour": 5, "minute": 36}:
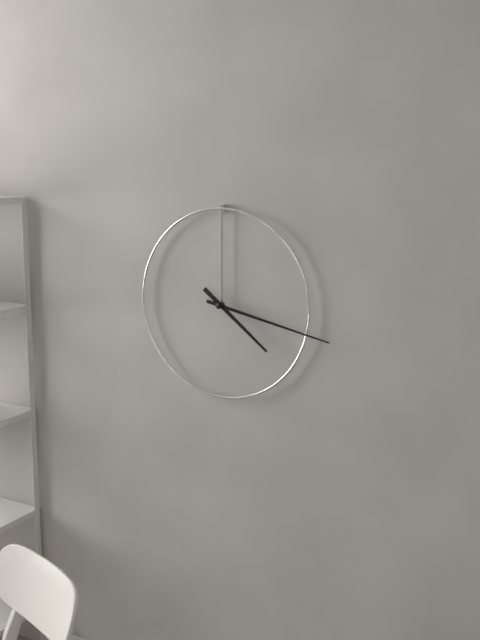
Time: {"hour": 4, "minute": 17}
